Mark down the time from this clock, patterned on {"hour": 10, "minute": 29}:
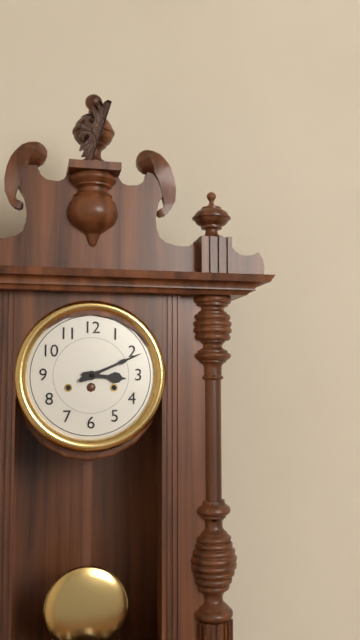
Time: {"hour": 3, "minute": 11}
